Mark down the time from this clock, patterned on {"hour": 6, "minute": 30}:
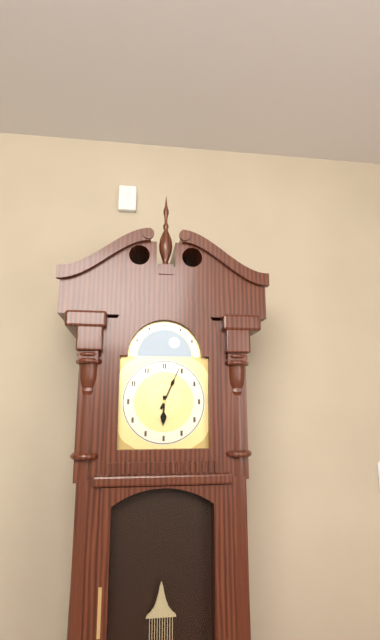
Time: {"hour": 6, "minute": 4}
